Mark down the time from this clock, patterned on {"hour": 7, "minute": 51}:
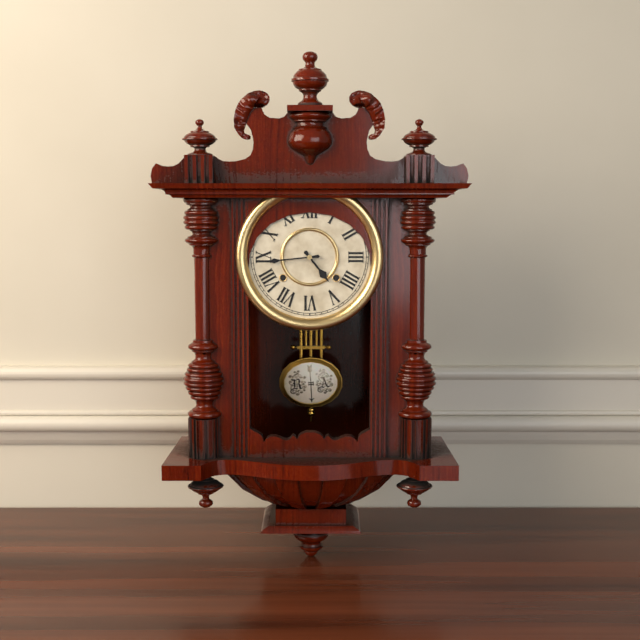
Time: {"hour": 4, "minute": 44}
